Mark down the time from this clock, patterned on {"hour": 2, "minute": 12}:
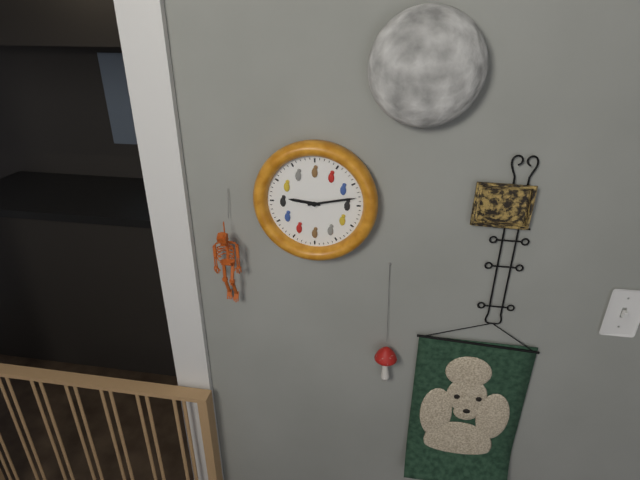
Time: {"hour": 9, "minute": 13}
